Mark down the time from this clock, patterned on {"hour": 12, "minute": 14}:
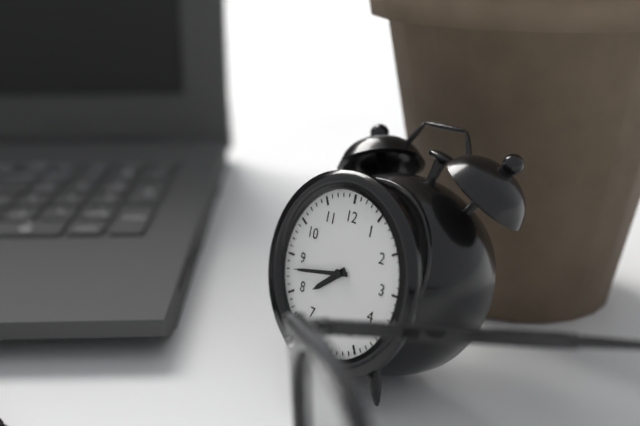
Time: {"hour": 7, "minute": 43}
